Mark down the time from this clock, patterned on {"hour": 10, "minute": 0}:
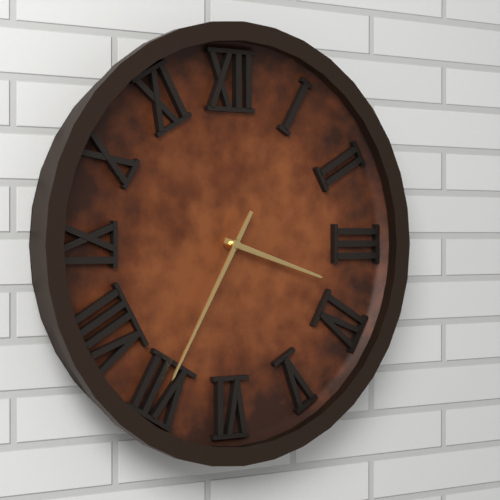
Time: {"hour": 3, "minute": 35}
